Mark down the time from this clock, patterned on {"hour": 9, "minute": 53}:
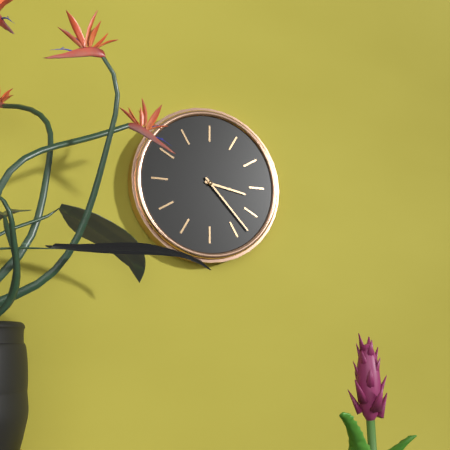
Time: {"hour": 3, "minute": 23}
